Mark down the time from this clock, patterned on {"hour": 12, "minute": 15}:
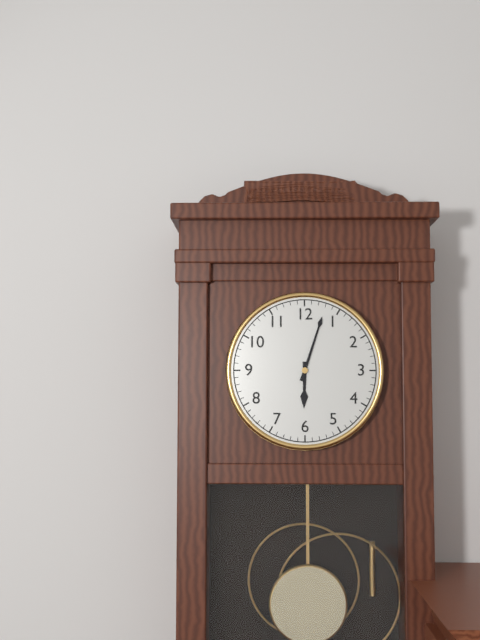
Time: {"hour": 6, "minute": 3}
